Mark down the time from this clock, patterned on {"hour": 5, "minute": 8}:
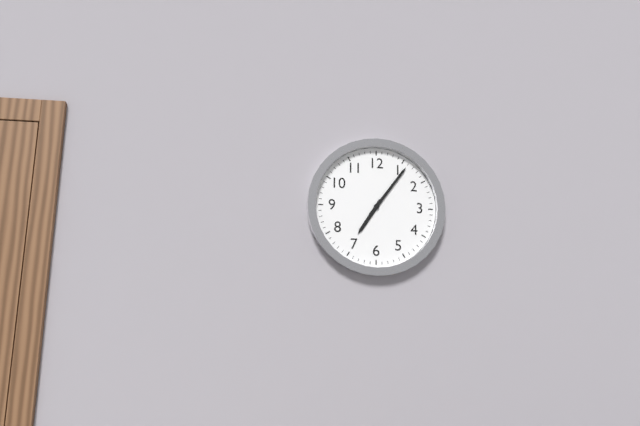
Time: {"hour": 7, "minute": 6}
